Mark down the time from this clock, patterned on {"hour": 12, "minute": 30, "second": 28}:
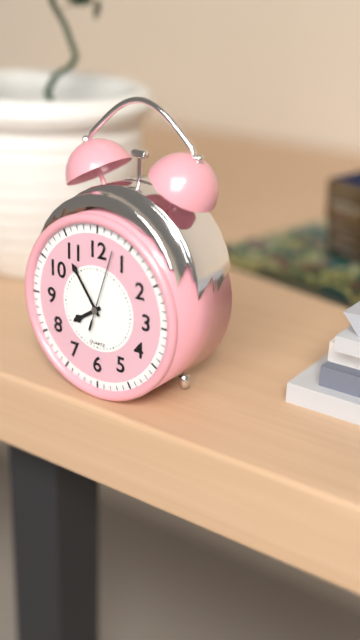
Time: {"hour": 7, "minute": 54, "second": 3}
